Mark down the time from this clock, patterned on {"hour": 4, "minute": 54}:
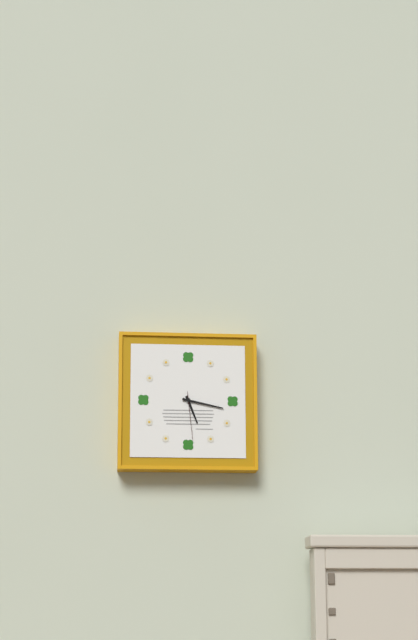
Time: {"hour": 5, "minute": 17}
